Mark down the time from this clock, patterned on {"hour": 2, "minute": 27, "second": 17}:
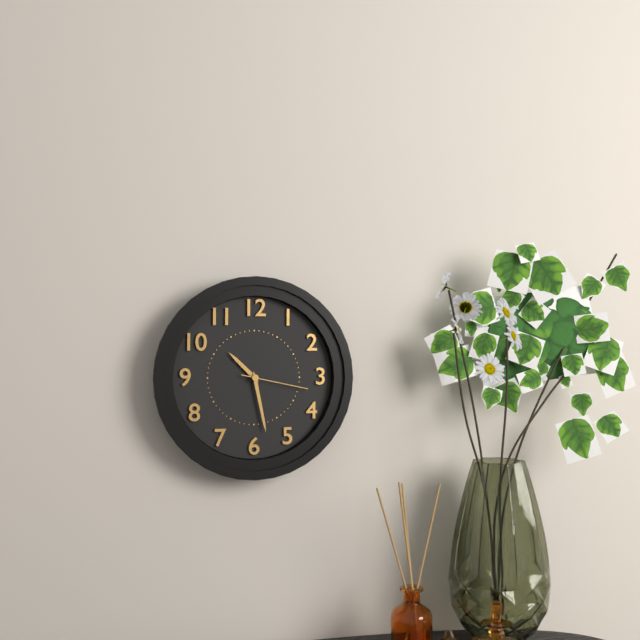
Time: {"hour": 10, "minute": 28, "second": 17}
